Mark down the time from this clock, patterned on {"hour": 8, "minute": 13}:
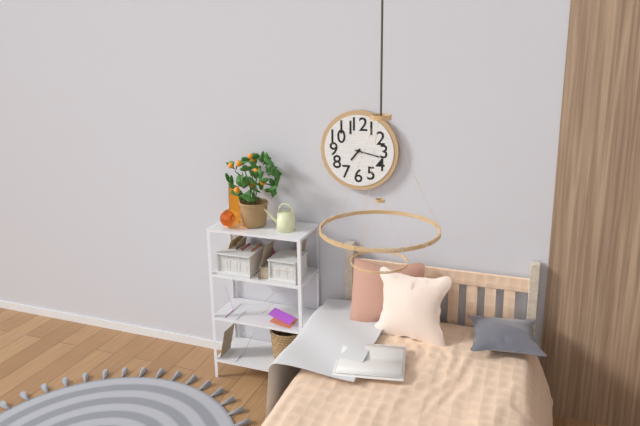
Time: {"hour": 7, "minute": 17}
